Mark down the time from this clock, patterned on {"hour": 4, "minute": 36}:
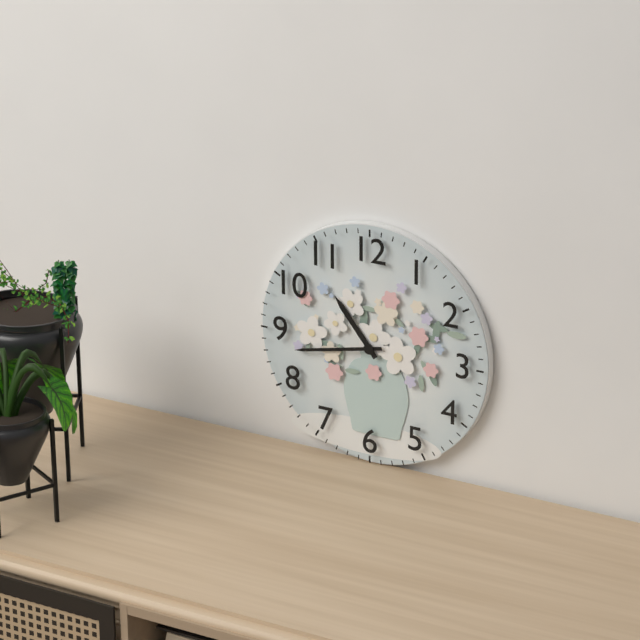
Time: {"hour": 10, "minute": 43}
